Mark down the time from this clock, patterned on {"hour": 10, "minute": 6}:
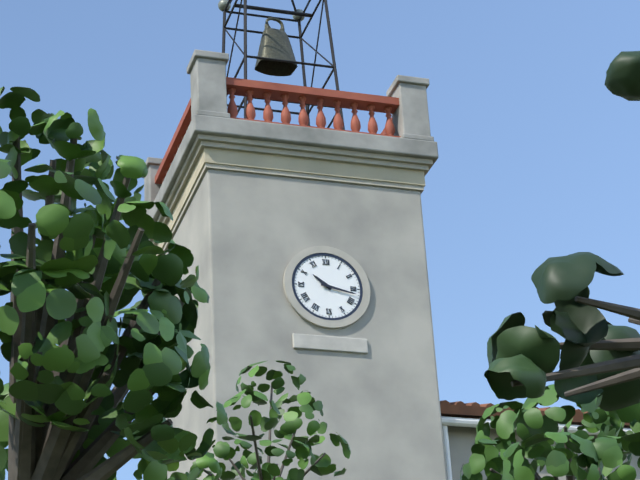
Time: {"hour": 10, "minute": 17}
